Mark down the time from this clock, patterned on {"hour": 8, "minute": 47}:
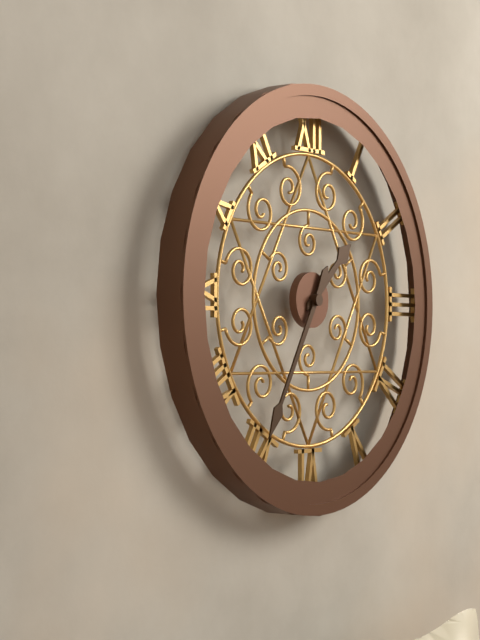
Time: {"hour": 1, "minute": 35}
